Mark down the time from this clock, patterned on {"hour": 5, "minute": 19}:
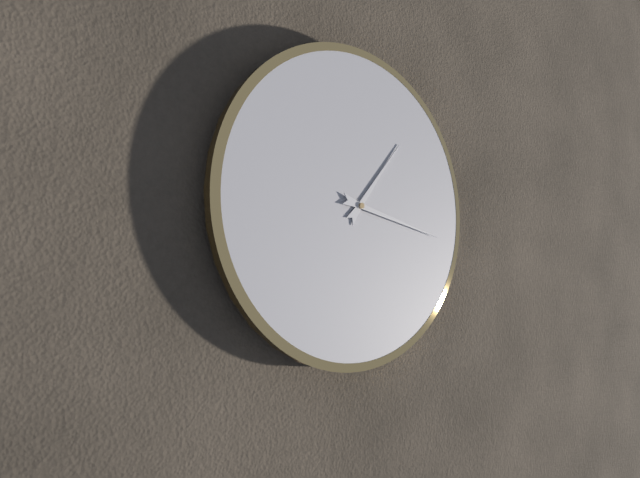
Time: {"hour": 1, "minute": 17}
